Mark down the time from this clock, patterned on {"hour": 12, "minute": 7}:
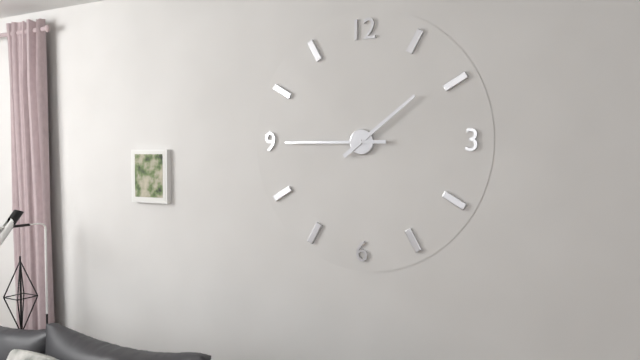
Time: {"hour": 1, "minute": 45}
